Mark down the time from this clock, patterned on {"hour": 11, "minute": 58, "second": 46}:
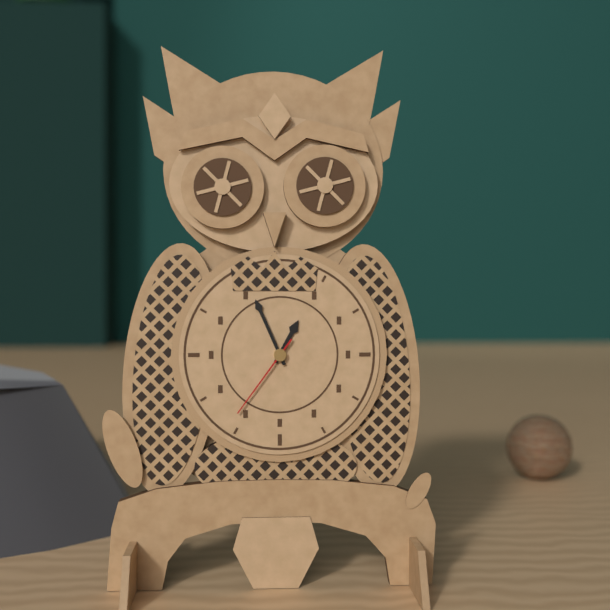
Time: {"hour": 12, "minute": 56, "second": 36}
